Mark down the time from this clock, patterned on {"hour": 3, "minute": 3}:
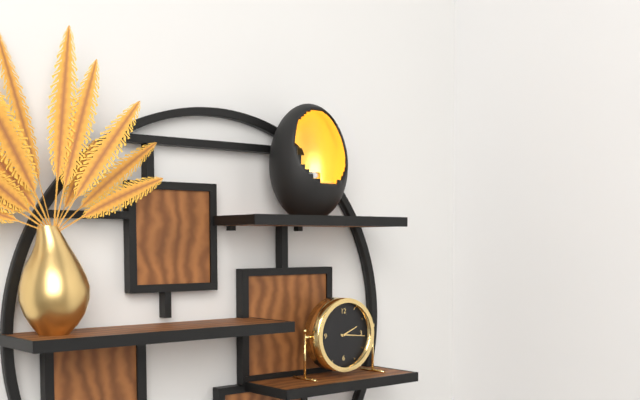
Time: {"hour": 2, "minute": 16}
